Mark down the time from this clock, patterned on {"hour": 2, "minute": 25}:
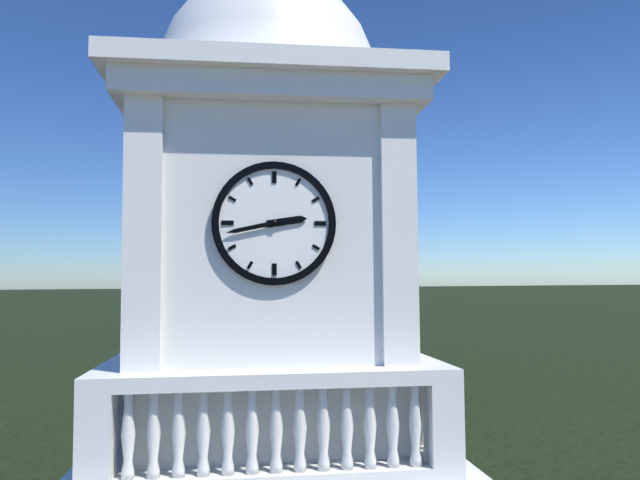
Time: {"hour": 2, "minute": 43}
